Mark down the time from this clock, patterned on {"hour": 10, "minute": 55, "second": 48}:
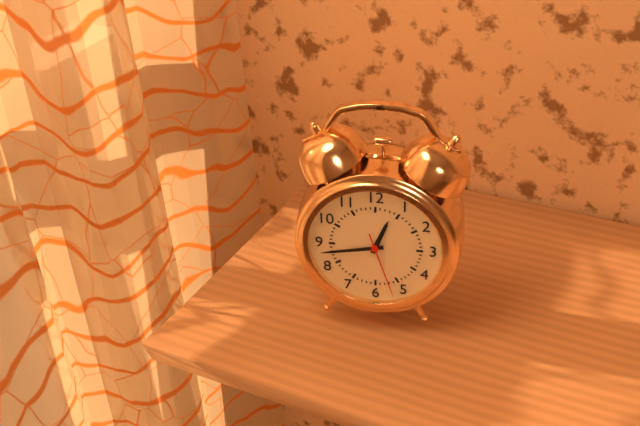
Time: {"hour": 12, "minute": 43, "second": 27}
